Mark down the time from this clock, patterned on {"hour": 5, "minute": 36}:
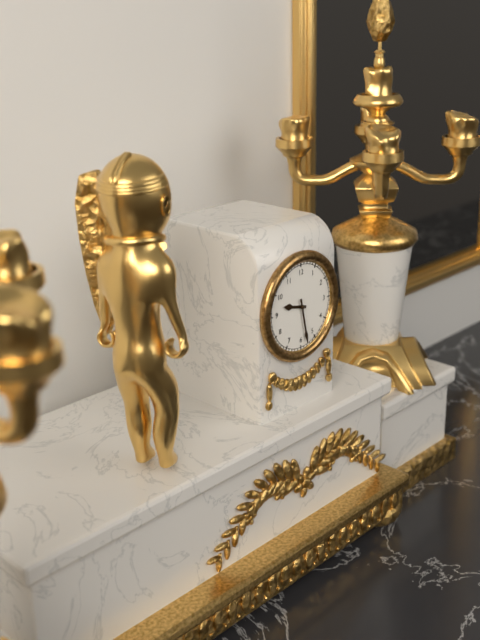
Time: {"hour": 9, "minute": 28}
